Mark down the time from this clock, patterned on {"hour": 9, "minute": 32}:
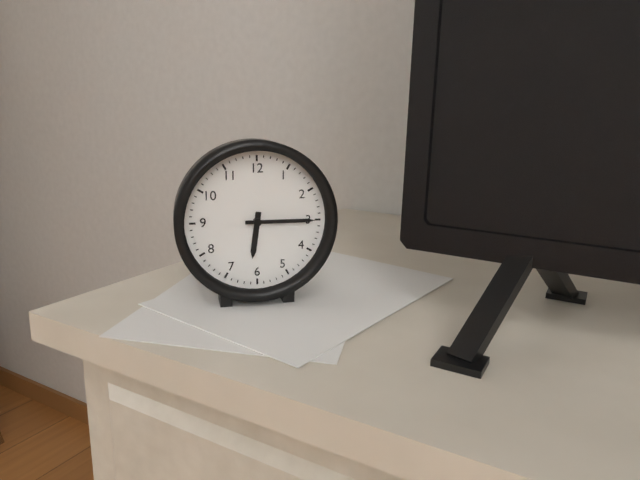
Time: {"hour": 6, "minute": 15}
